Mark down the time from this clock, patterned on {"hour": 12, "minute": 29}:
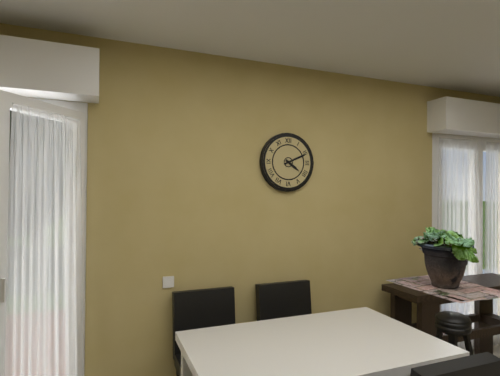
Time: {"hour": 4, "minute": 11}
